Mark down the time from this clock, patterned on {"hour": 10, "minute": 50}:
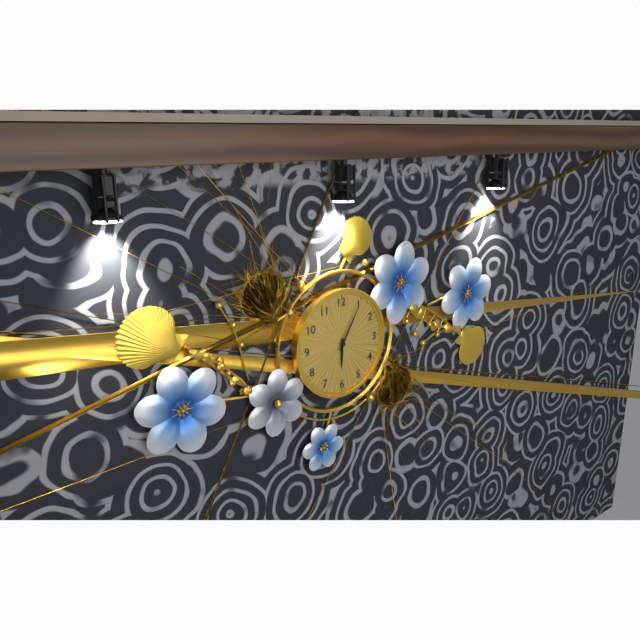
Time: {"hour": 6, "minute": 5}
